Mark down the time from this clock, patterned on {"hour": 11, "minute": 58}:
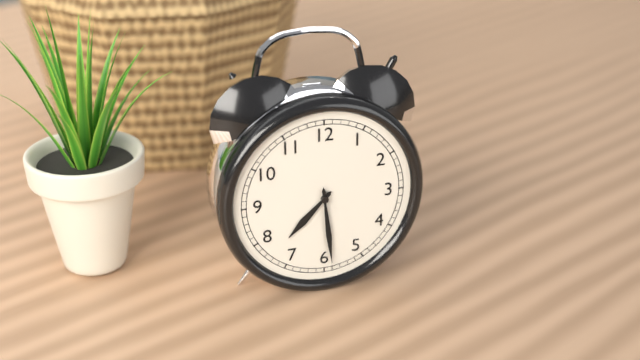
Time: {"hour": 7, "minute": 29}
